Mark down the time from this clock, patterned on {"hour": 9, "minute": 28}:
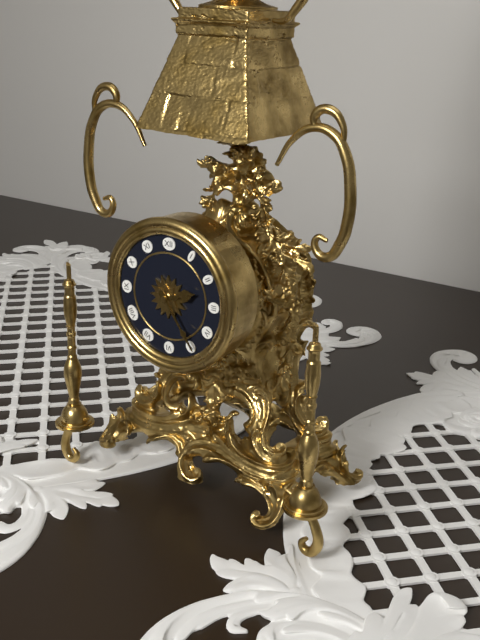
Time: {"hour": 2, "minute": 24}
